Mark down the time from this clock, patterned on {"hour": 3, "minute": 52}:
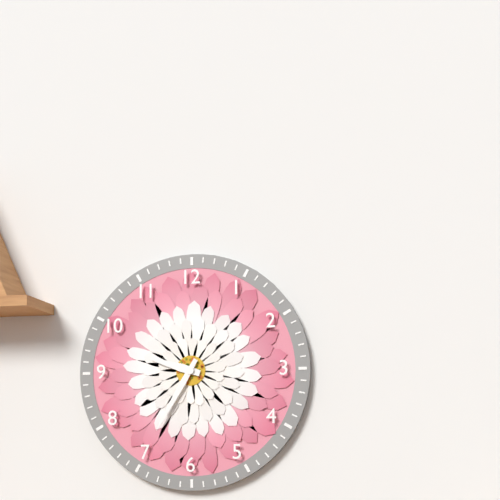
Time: {"hour": 9, "minute": 35}
